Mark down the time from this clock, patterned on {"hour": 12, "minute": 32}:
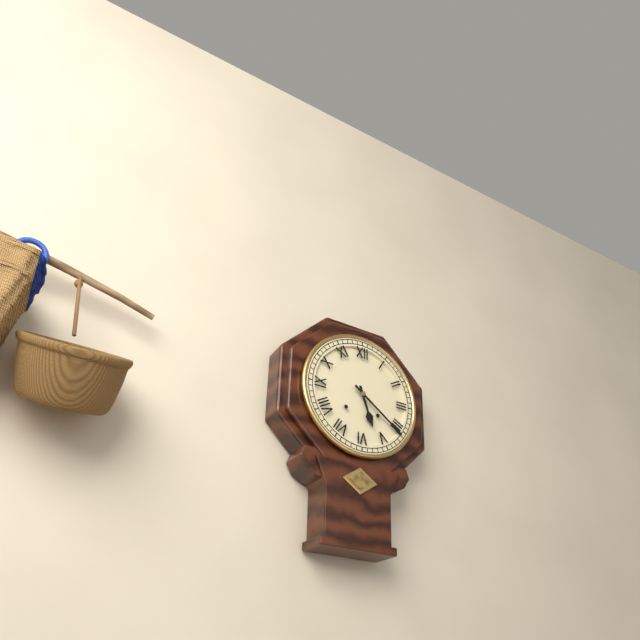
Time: {"hour": 5, "minute": 21}
